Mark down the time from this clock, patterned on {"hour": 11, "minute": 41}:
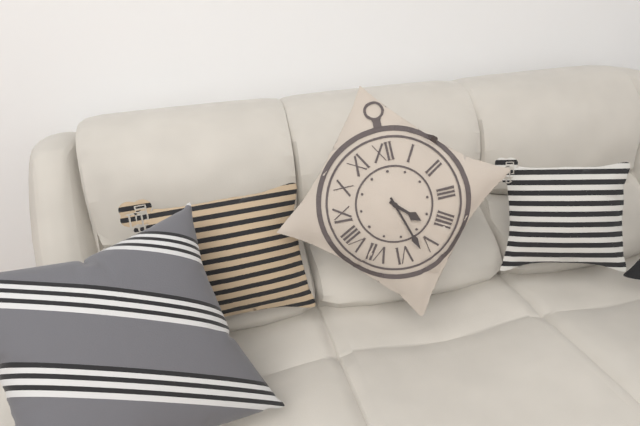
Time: {"hour": 4, "minute": 27}
